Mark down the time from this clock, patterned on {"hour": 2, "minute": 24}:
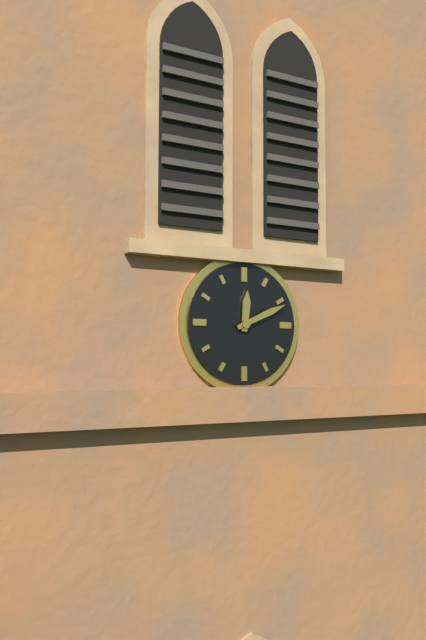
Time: {"hour": 12, "minute": 11}
